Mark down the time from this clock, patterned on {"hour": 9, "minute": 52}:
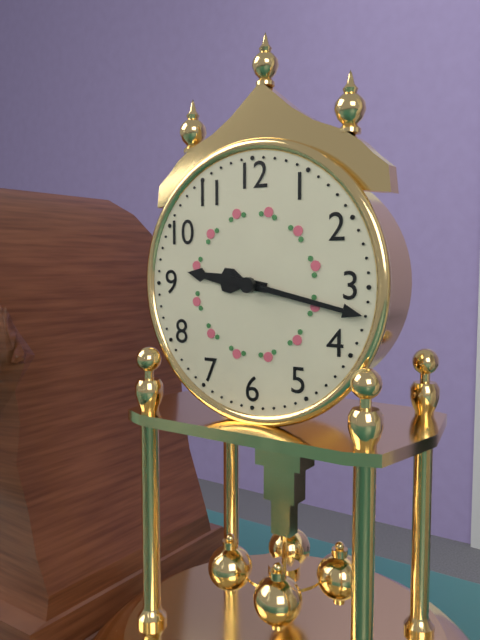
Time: {"hour": 9, "minute": 17}
